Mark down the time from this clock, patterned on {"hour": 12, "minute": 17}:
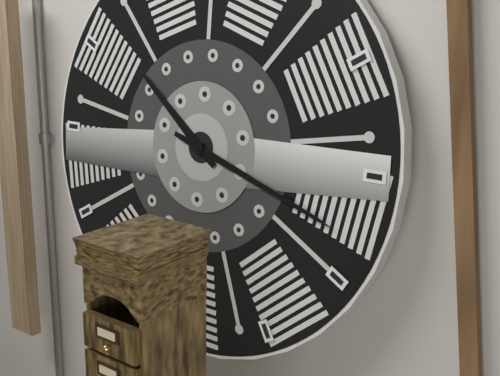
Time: {"hour": 10, "minute": 18}
